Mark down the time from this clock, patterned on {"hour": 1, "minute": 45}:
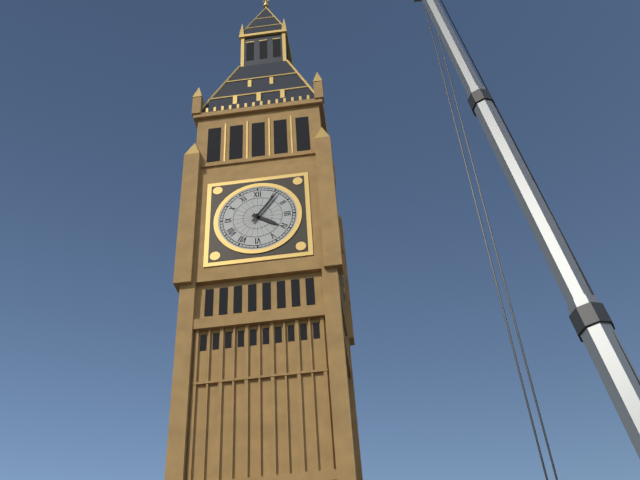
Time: {"hour": 4, "minute": 6}
